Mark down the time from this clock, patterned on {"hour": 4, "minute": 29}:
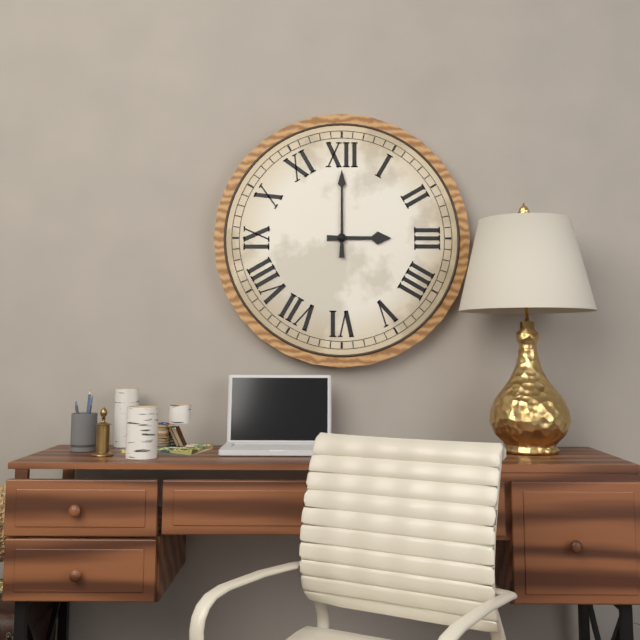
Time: {"hour": 3, "minute": 0}
